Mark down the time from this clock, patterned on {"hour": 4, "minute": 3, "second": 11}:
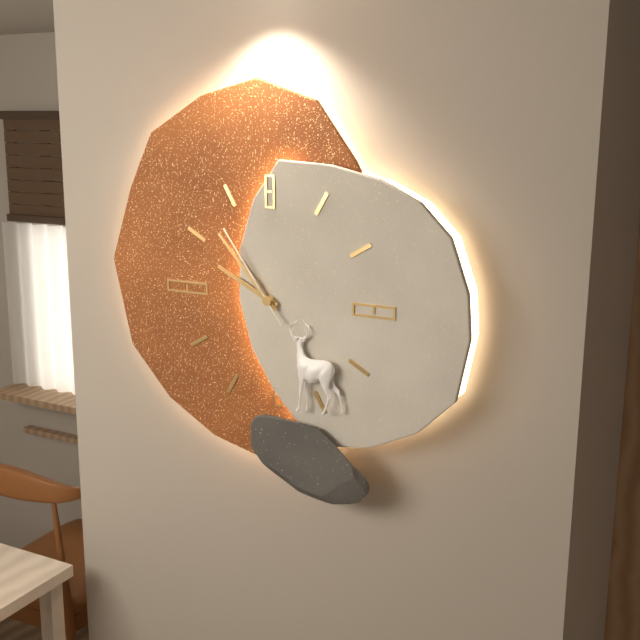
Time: {"hour": 9, "minute": 53, "second": 54}
